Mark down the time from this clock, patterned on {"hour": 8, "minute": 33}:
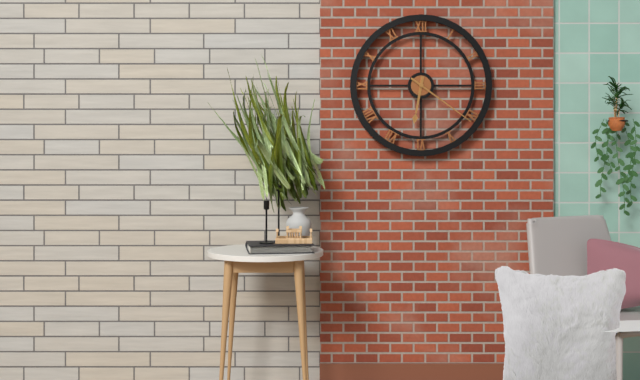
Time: {"hour": 6, "minute": 21}
